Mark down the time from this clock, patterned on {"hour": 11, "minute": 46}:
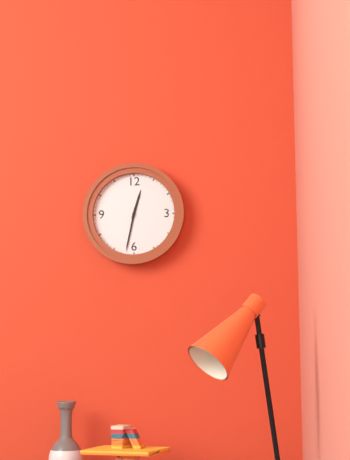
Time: {"hour": 12, "minute": 32}
